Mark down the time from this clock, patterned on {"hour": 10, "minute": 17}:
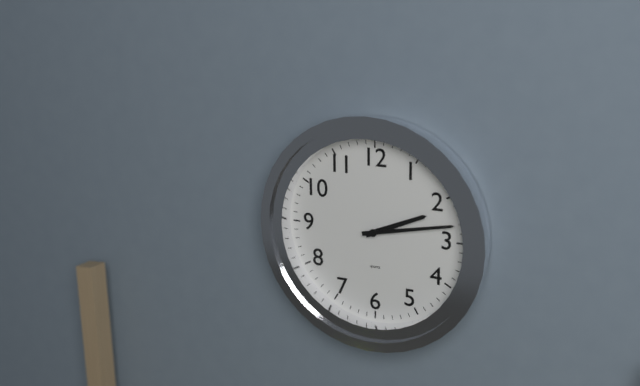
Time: {"hour": 2, "minute": 13}
